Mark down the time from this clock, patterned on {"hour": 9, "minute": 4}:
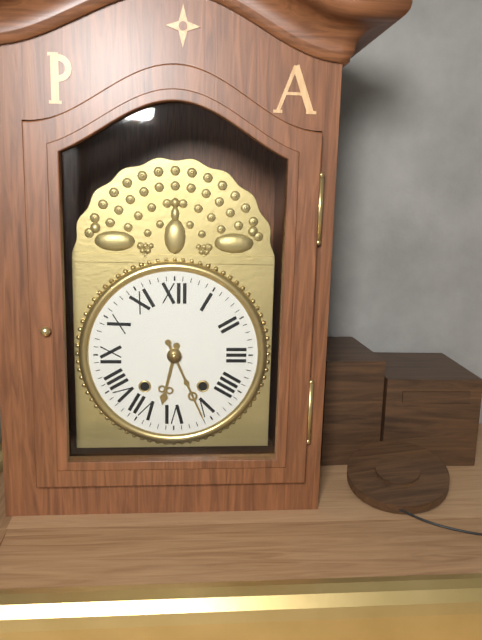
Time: {"hour": 6, "minute": 26}
